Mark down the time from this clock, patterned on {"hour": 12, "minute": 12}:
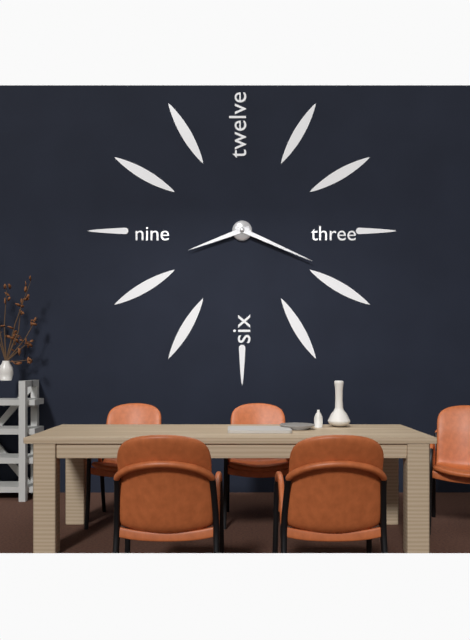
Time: {"hour": 8, "minute": 19}
